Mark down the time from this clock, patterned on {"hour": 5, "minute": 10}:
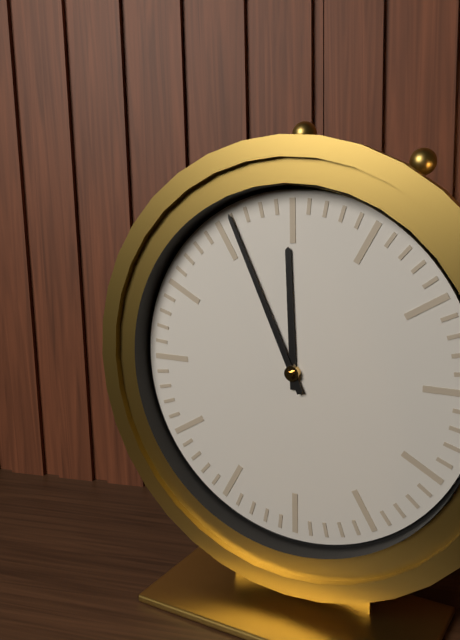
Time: {"hour": 11, "minute": 56}
